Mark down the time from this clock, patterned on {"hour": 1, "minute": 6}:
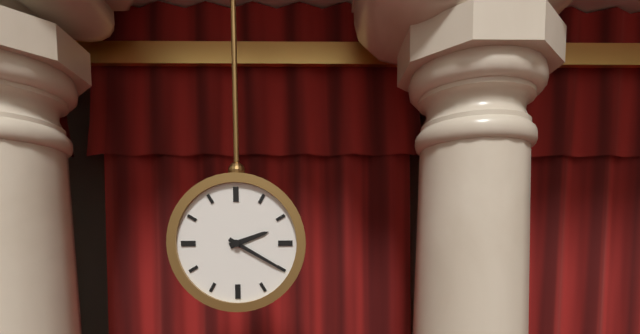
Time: {"hour": 2, "minute": 20}
